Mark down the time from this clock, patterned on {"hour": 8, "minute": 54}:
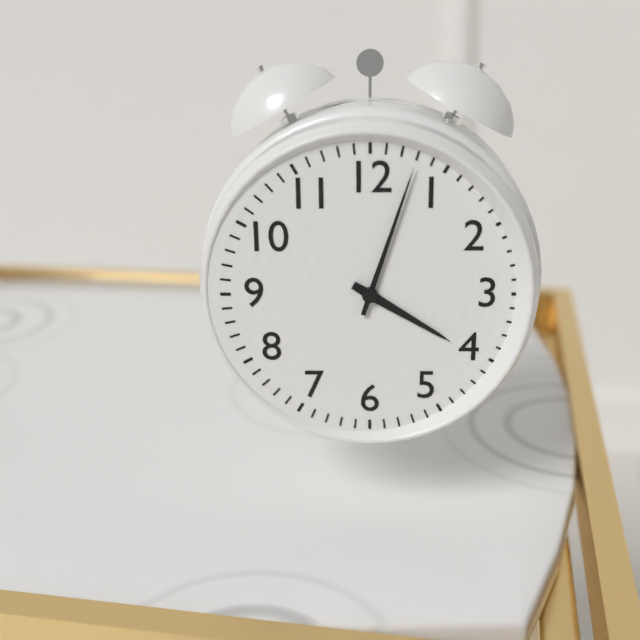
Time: {"hour": 4, "minute": 3}
